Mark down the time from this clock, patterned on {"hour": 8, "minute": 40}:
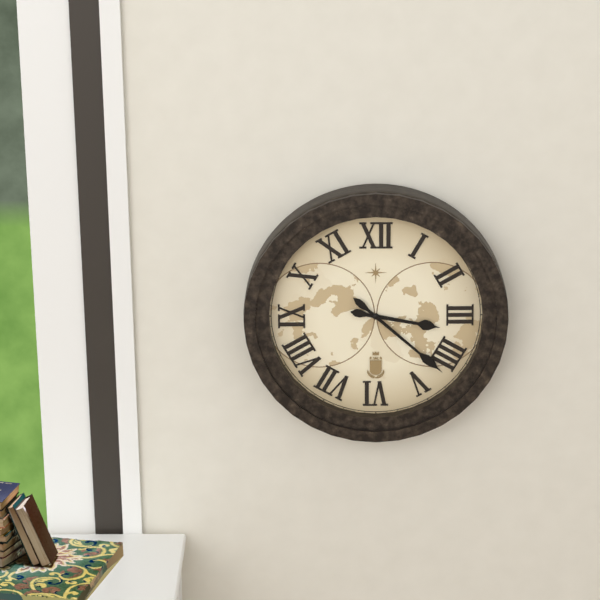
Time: {"hour": 3, "minute": 22}
